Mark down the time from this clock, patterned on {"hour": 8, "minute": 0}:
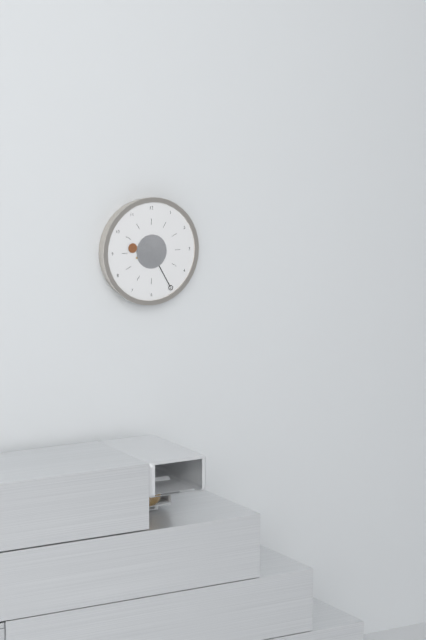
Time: {"hour": 9, "minute": 25}
